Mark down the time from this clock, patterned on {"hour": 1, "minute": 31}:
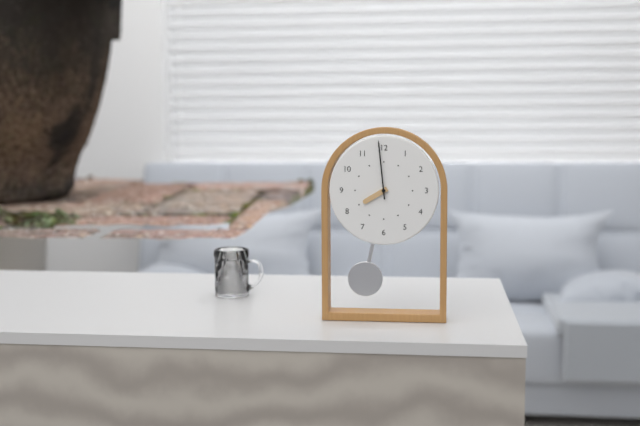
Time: {"hour": 7, "minute": 59}
